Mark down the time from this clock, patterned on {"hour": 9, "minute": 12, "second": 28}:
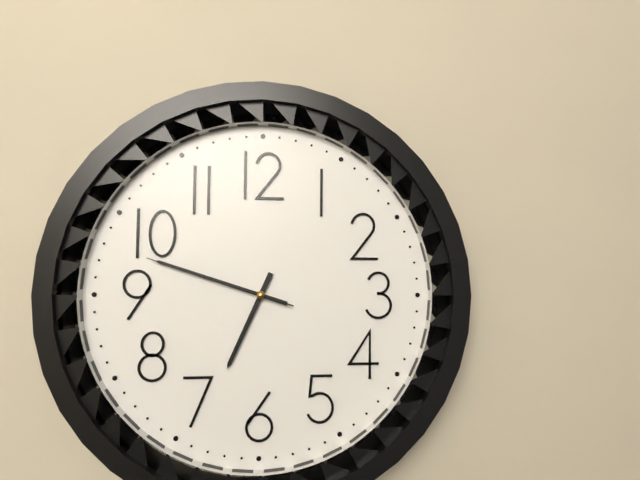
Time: {"hour": 6, "minute": 48, "second": 48}
